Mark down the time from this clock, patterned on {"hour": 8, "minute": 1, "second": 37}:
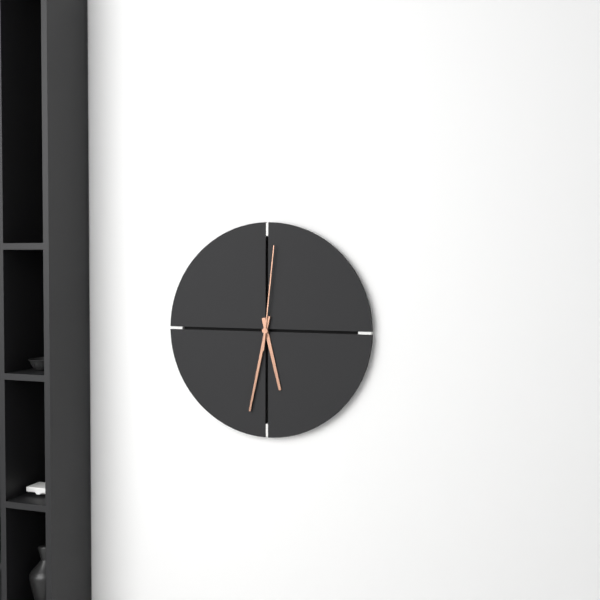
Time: {"hour": 5, "minute": 32, "second": 1}
